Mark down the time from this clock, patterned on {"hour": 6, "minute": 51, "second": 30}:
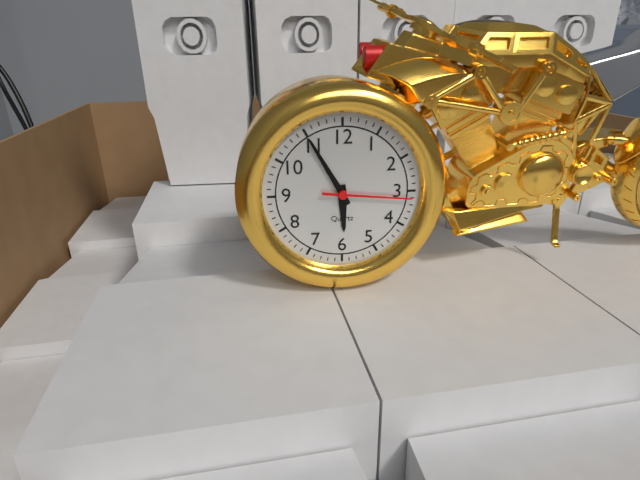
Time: {"hour": 5, "minute": 55, "second": 16}
